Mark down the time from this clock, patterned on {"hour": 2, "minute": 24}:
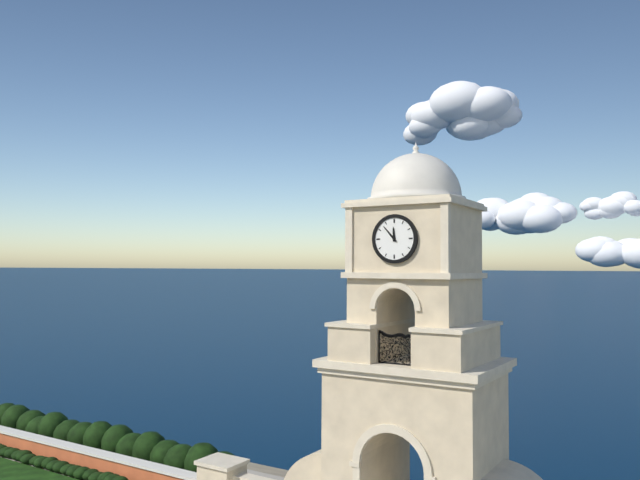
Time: {"hour": 11, "minute": 53}
